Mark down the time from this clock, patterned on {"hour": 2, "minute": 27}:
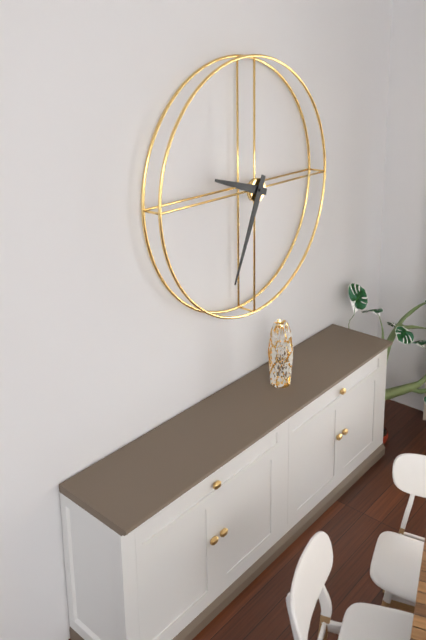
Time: {"hour": 9, "minute": 34}
